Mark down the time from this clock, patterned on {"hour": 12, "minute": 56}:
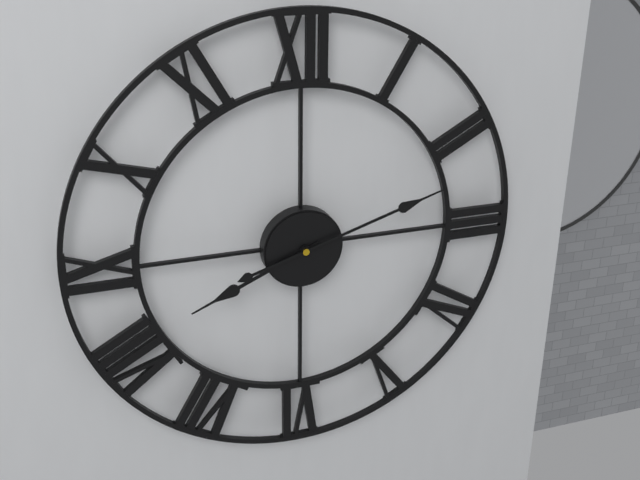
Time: {"hour": 8, "minute": 12}
